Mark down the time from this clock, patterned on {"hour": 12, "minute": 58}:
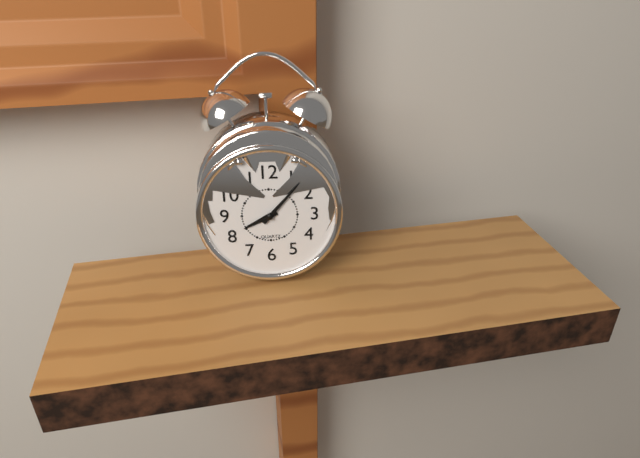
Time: {"hour": 8, "minute": 7}
